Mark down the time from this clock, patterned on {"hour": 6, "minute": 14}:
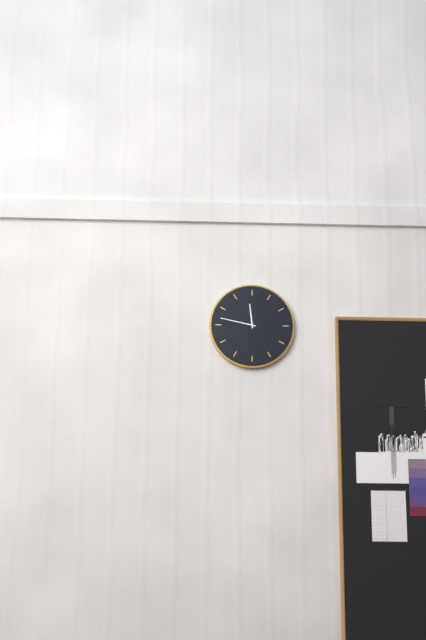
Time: {"hour": 11, "minute": 47}
